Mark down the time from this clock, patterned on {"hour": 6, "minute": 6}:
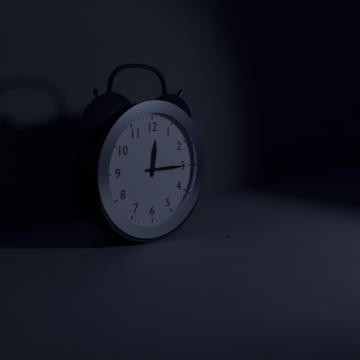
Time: {"hour": 12, "minute": 15}
